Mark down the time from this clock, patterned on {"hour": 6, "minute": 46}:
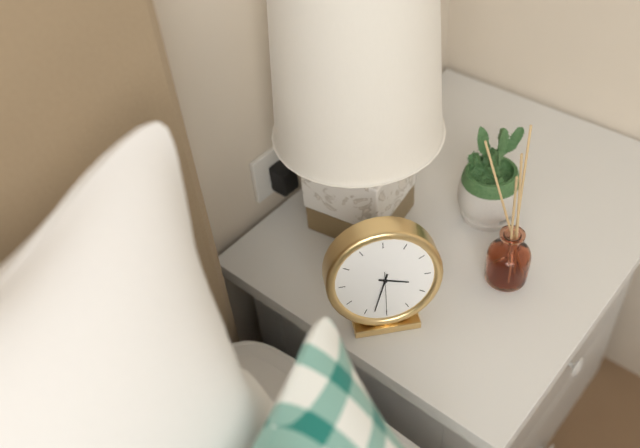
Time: {"hour": 3, "minute": 33}
